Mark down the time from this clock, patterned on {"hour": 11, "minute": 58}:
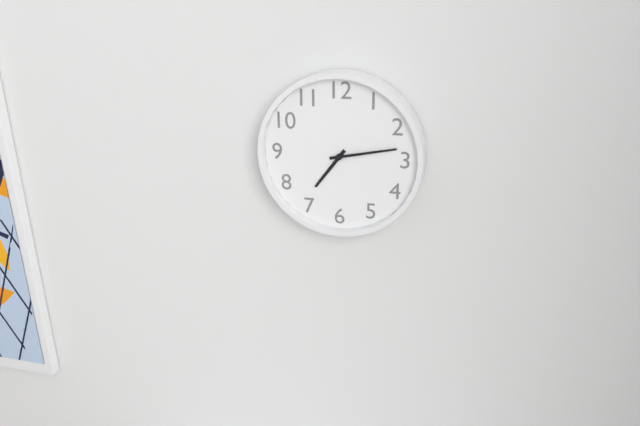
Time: {"hour": 7, "minute": 13}
